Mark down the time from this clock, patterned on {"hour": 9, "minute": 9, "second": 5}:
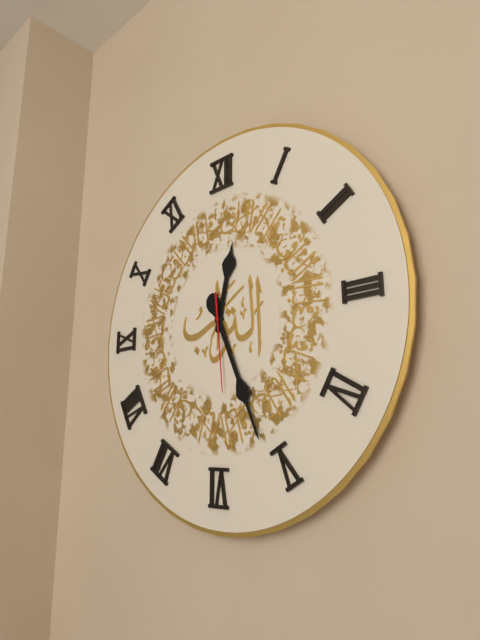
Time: {"hour": 12, "minute": 26, "second": 29}
